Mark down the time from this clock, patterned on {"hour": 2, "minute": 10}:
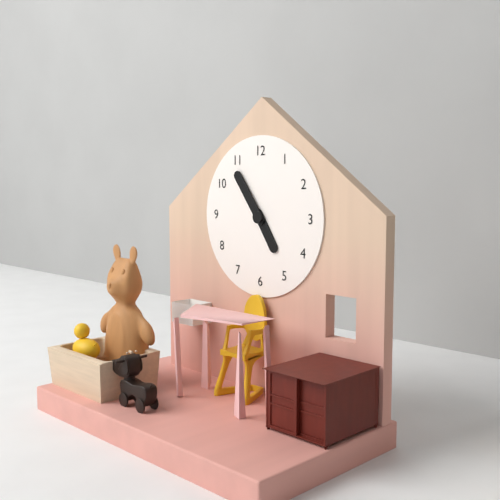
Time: {"hour": 4, "minute": 54}
